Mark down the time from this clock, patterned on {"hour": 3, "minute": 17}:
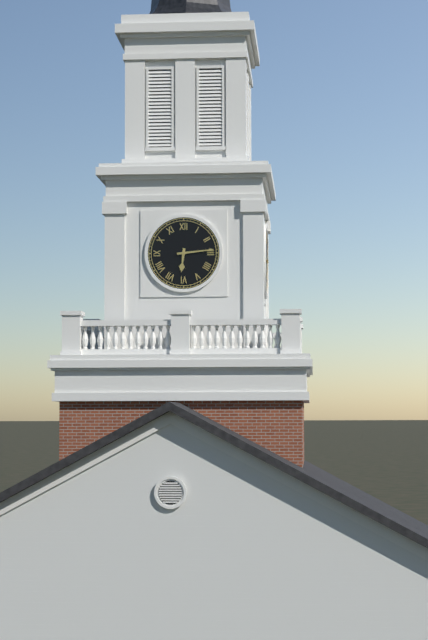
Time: {"hour": 6, "minute": 14}
